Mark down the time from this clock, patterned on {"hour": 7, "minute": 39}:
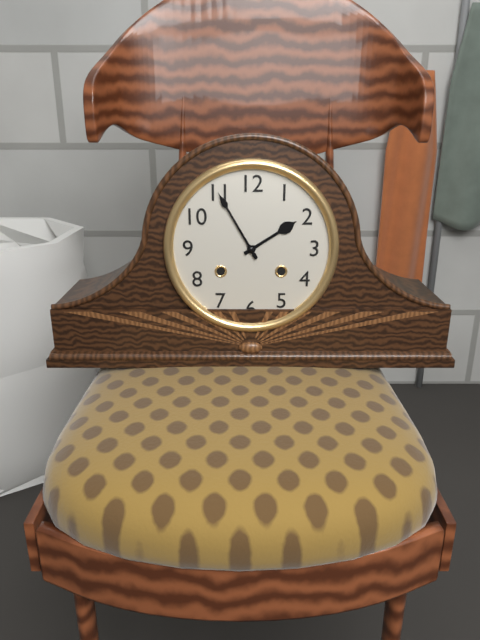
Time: {"hour": 1, "minute": 55}
